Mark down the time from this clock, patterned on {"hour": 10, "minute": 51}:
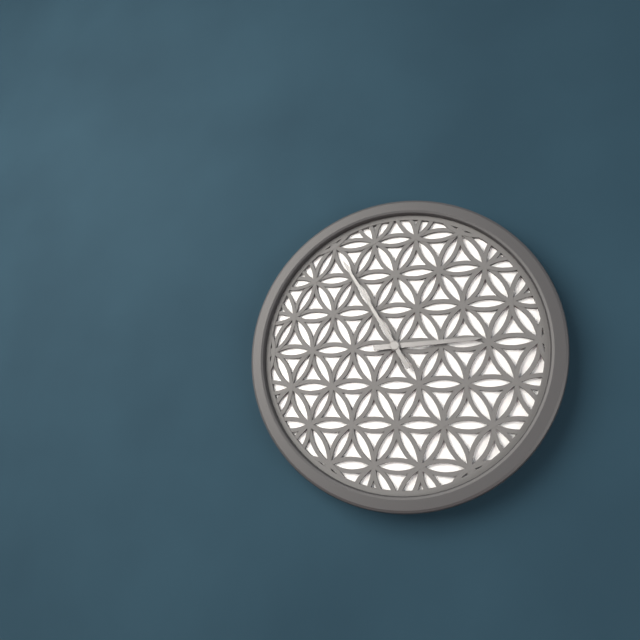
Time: {"hour": 2, "minute": 55}
